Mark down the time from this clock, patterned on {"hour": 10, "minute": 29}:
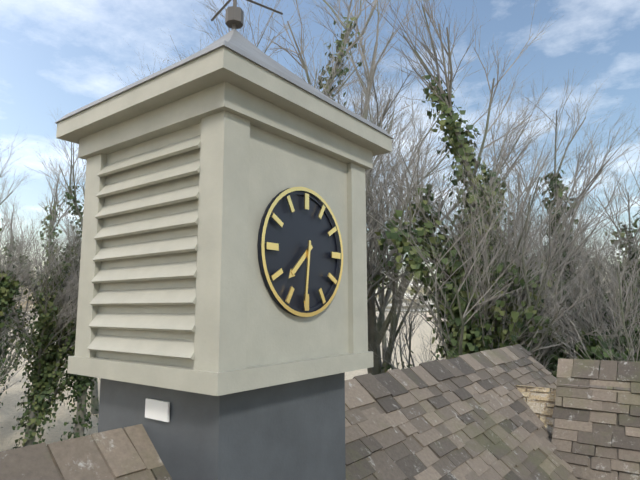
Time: {"hour": 7, "minute": 31}
